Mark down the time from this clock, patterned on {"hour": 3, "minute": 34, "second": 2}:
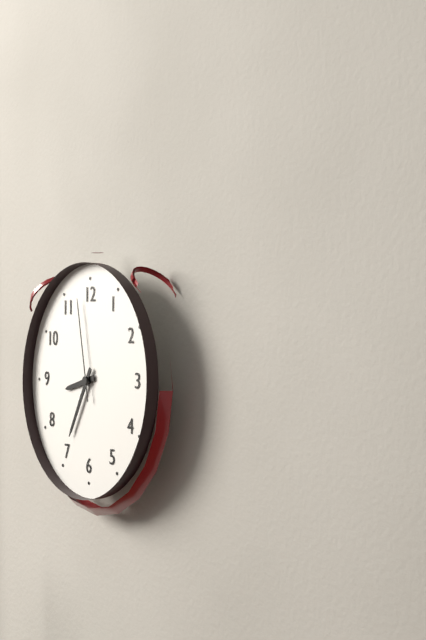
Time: {"hour": 8, "minute": 35, "second": 58}
